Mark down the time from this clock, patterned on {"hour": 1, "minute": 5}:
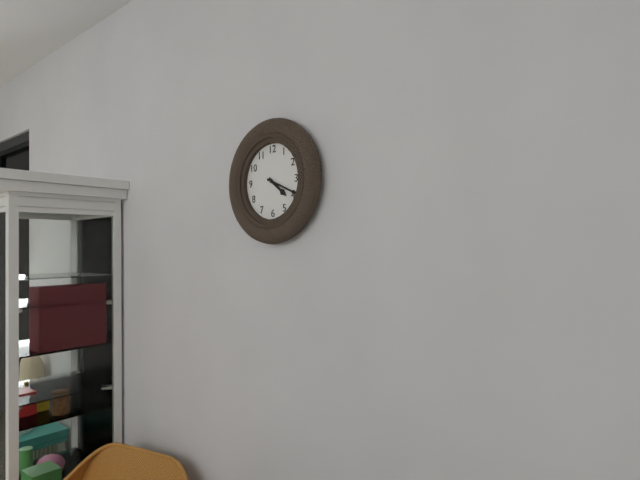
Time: {"hour": 4, "minute": 19}
